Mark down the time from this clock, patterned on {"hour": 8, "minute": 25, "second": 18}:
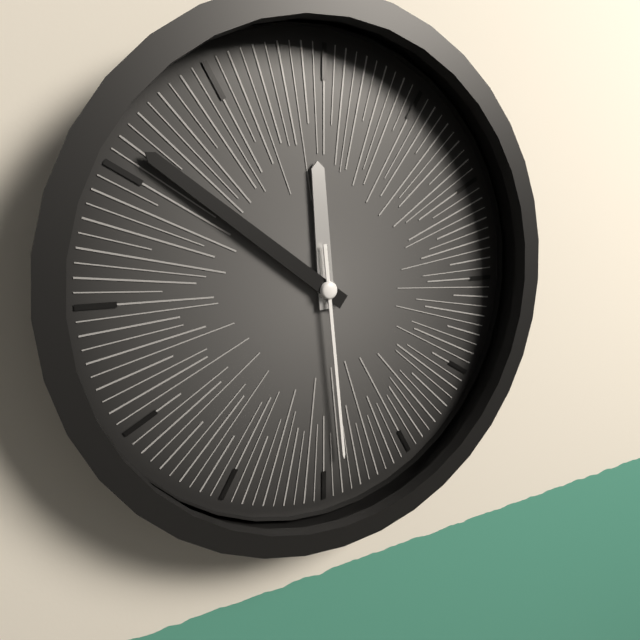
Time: {"hour": 11, "minute": 51, "second": 29}
